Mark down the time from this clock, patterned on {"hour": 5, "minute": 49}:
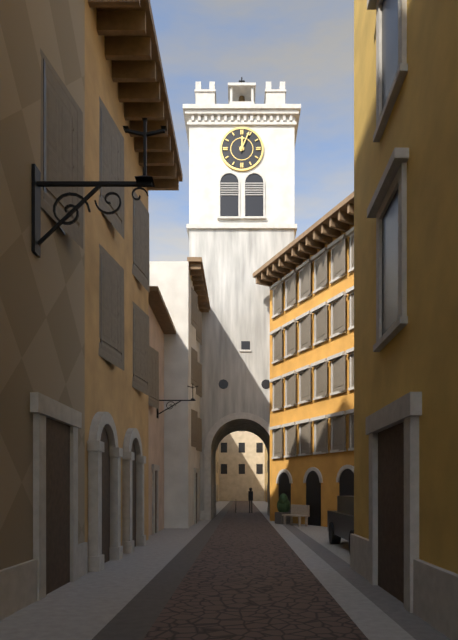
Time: {"hour": 12, "minute": 4}
